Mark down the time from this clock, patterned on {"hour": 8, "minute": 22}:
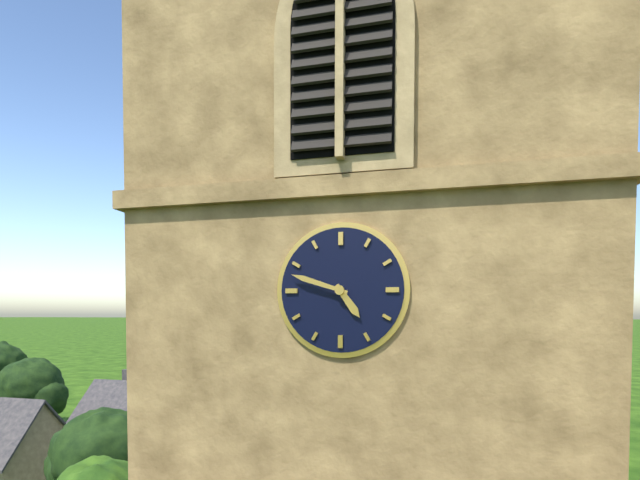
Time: {"hour": 4, "minute": 48}
